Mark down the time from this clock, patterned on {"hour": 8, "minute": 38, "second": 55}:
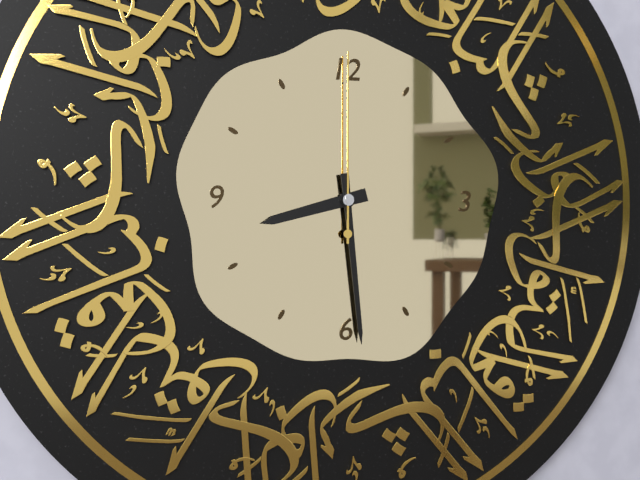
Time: {"hour": 8, "minute": 29, "second": 0}
